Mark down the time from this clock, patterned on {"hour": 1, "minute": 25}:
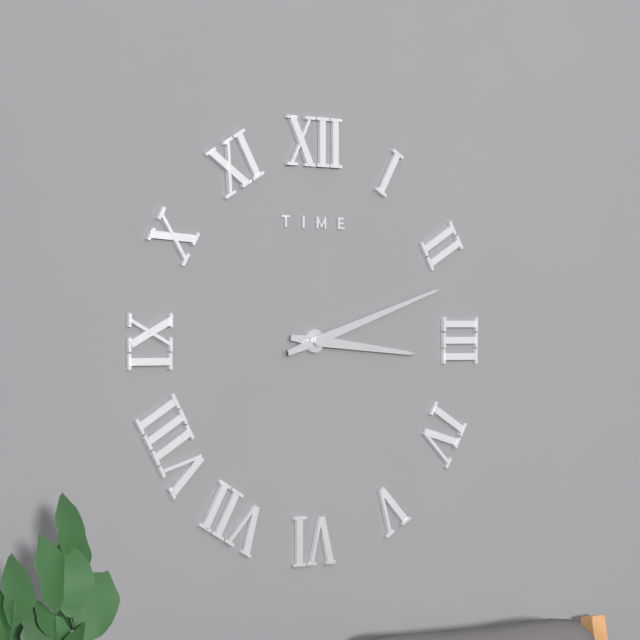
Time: {"hour": 3, "minute": 12}
